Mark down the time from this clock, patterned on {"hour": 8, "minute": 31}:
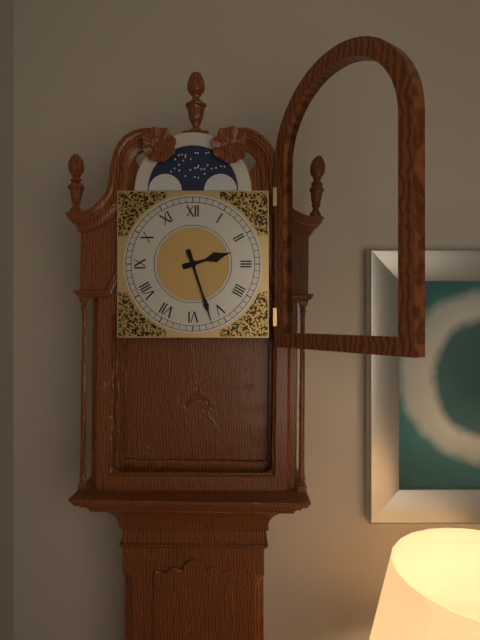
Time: {"hour": 2, "minute": 27}
